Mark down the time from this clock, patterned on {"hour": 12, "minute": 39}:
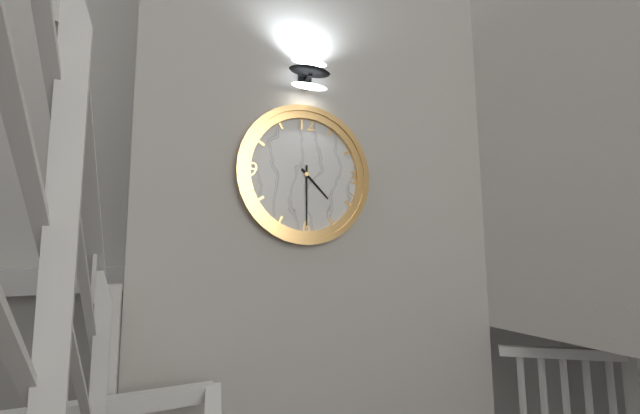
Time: {"hour": 4, "minute": 30}
